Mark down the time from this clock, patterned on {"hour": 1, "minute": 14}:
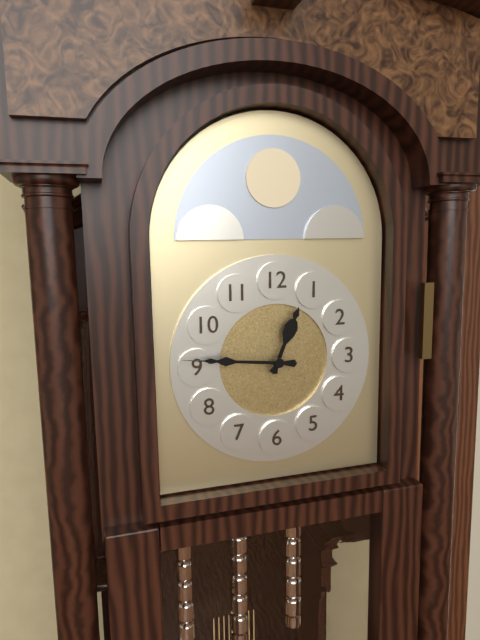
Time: {"hour": 12, "minute": 46}
